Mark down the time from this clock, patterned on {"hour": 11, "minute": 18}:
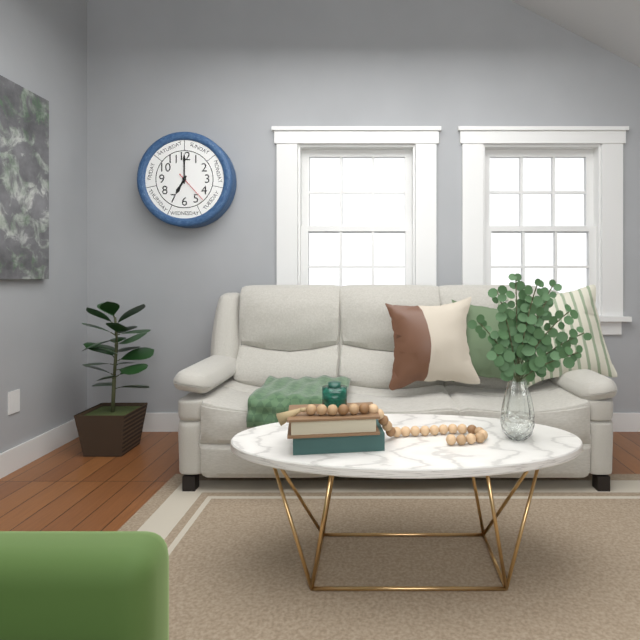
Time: {"hour": 7, "minute": 0}
